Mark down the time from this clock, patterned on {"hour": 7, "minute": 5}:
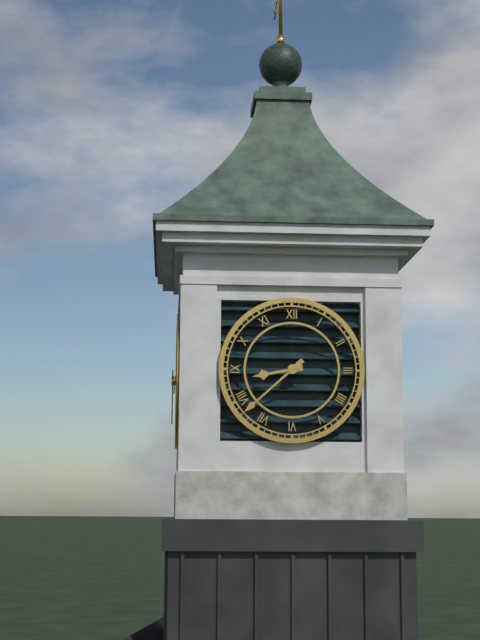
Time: {"hour": 8, "minute": 38}
